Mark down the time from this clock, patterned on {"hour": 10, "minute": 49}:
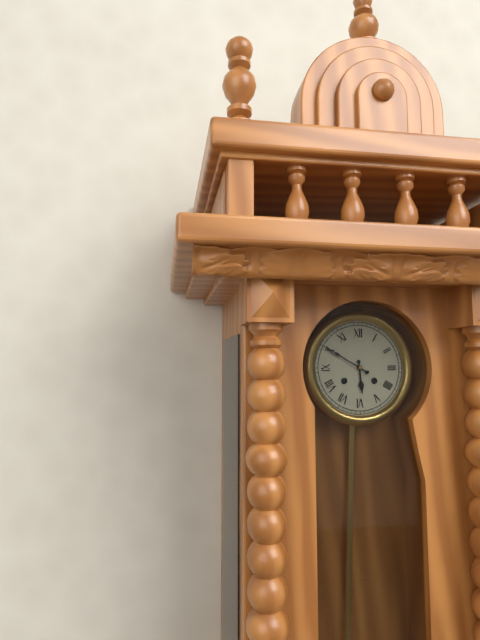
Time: {"hour": 5, "minute": 50}
